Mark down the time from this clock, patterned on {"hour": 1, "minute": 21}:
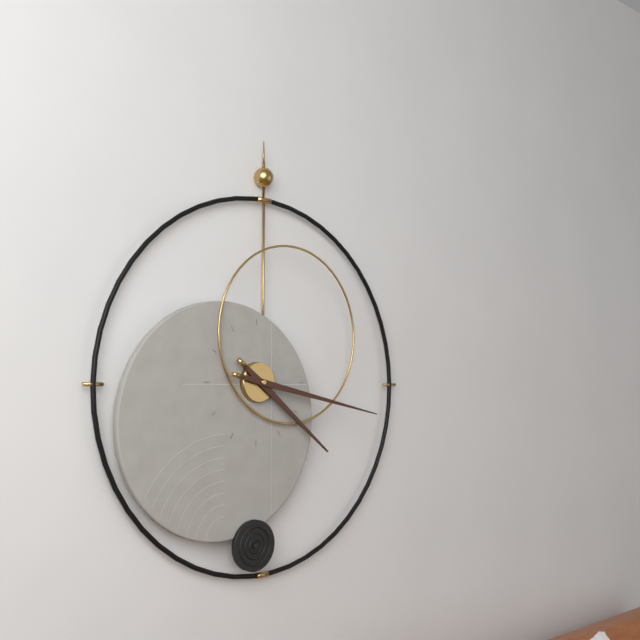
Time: {"hour": 4, "minute": 17}
